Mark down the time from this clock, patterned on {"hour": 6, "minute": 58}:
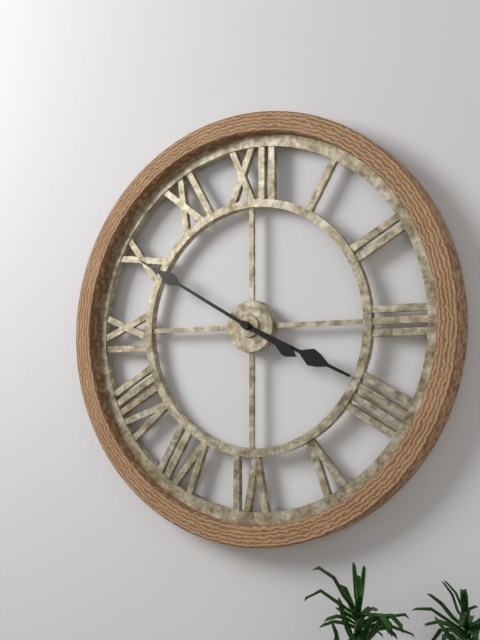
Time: {"hour": 3, "minute": 50}
